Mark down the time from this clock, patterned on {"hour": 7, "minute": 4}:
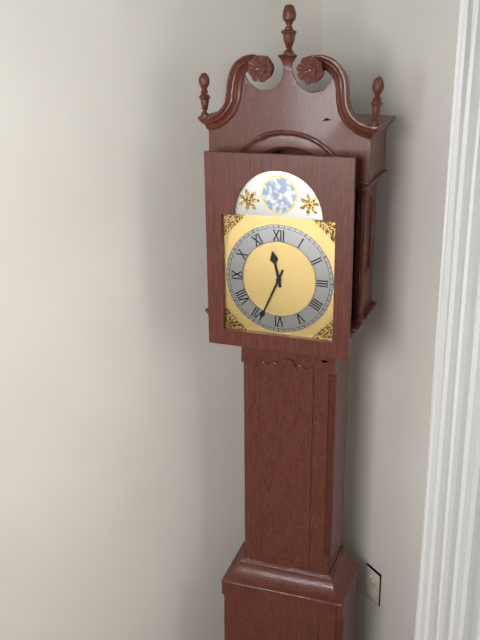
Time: {"hour": 11, "minute": 34}
